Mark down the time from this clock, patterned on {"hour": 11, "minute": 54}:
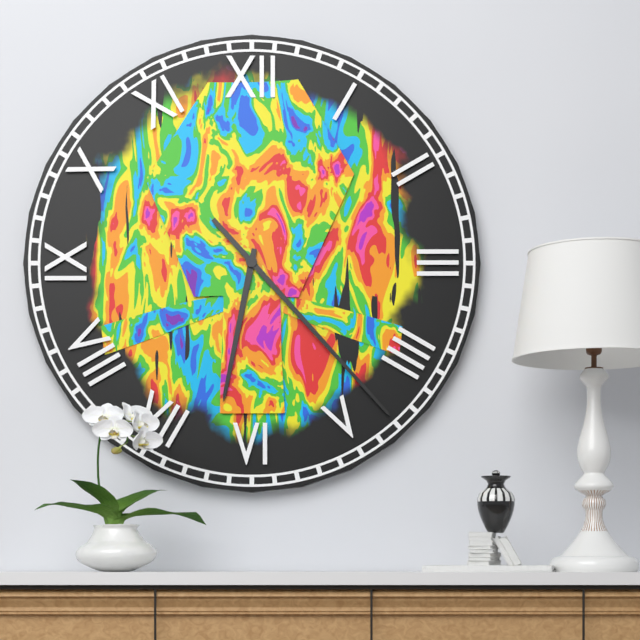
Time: {"hour": 6, "minute": 23}
